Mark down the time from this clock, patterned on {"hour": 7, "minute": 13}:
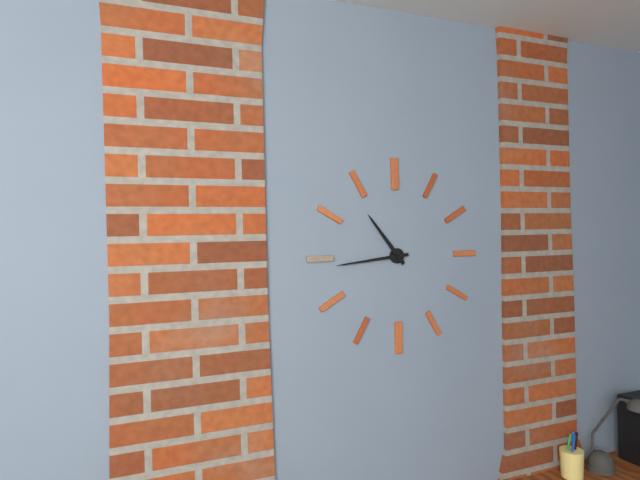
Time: {"hour": 10, "minute": 44}
